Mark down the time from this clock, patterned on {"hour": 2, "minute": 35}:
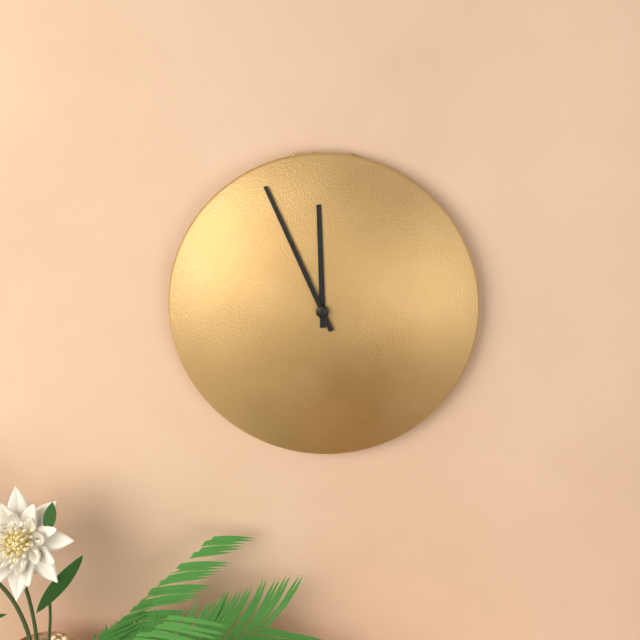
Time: {"hour": 11, "minute": 56}
